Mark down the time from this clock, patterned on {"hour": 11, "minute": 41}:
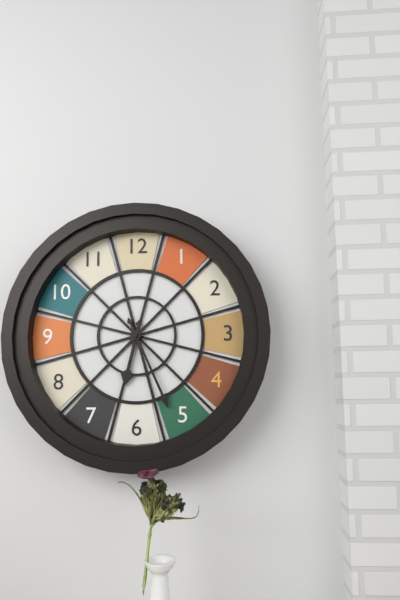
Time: {"hour": 6, "minute": 26}
